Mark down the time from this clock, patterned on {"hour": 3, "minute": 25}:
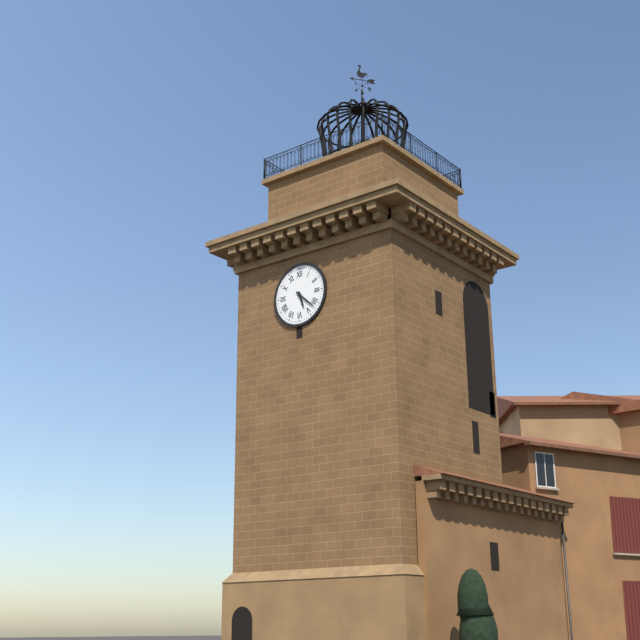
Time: {"hour": 5, "minute": 22}
